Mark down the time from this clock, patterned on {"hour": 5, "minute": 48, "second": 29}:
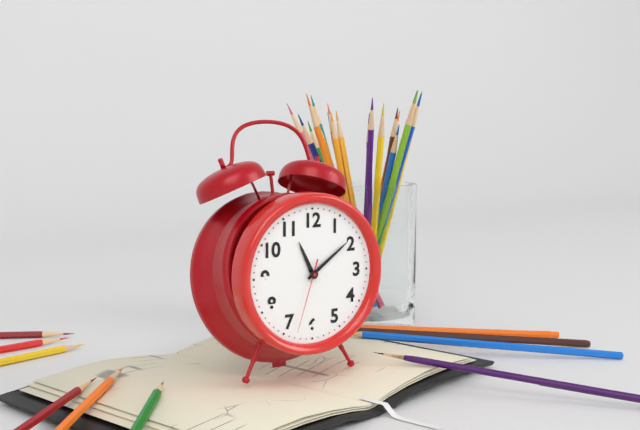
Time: {"hour": 11, "minute": 9, "second": 33}
